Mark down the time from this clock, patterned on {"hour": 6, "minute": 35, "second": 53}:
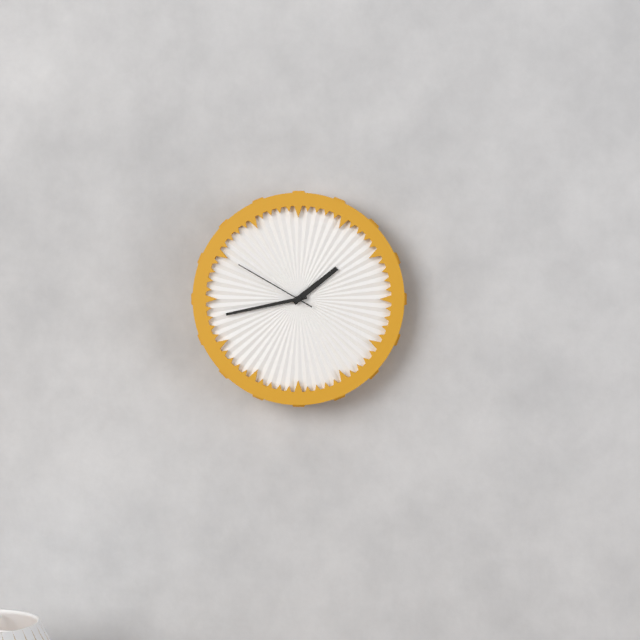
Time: {"hour": 1, "minute": 43, "second": 50}
